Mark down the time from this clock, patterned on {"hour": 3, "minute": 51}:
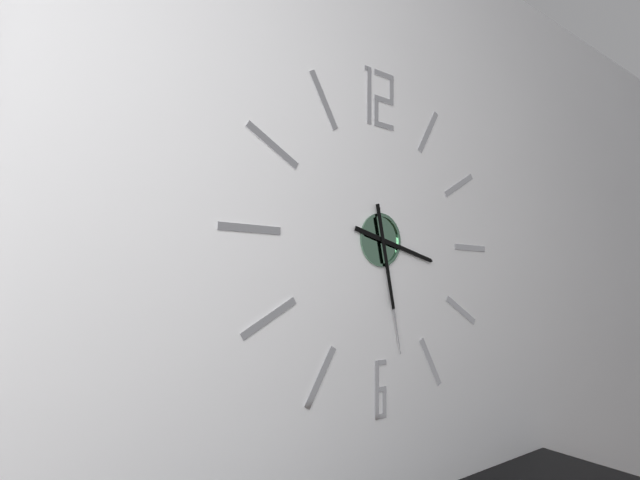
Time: {"hour": 3, "minute": 28}
